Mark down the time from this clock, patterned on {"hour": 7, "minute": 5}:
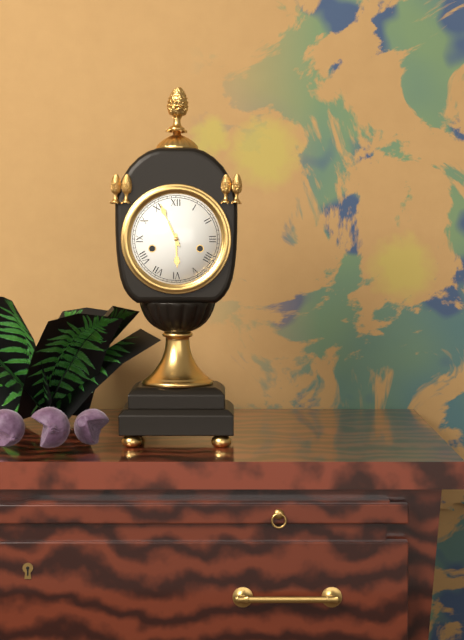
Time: {"hour": 5, "minute": 56}
